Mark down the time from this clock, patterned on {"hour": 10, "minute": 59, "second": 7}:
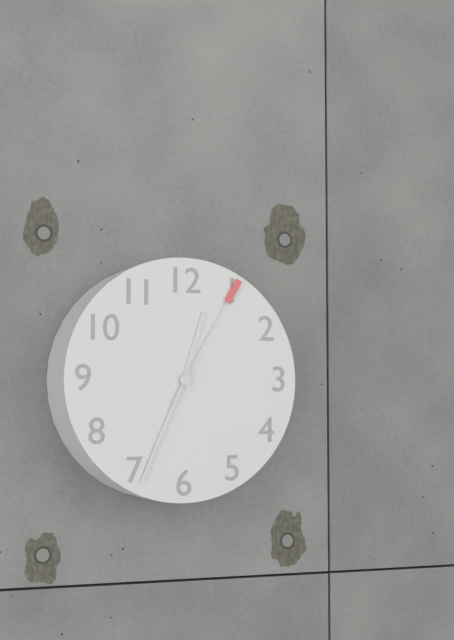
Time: {"hour": 12, "minute": 34, "second": 5}
